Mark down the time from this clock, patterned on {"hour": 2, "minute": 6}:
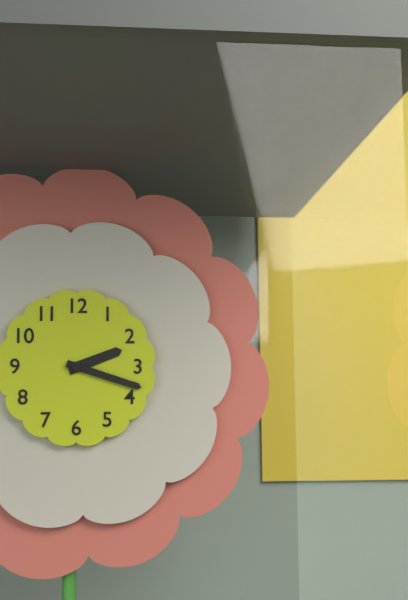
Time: {"hour": 2, "minute": 18}
